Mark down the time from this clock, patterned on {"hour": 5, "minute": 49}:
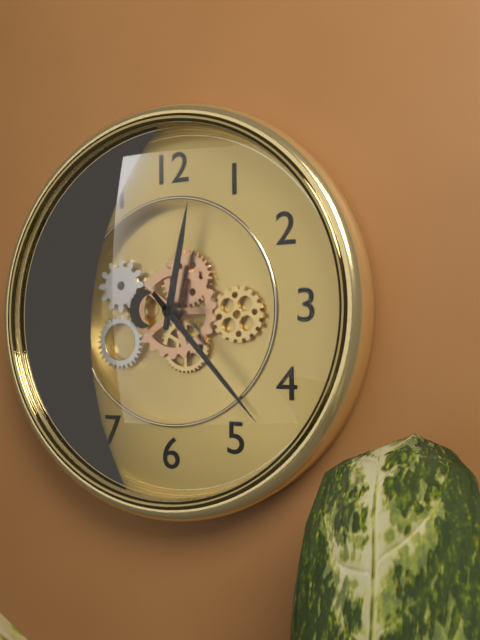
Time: {"hour": 12, "minute": 23}
